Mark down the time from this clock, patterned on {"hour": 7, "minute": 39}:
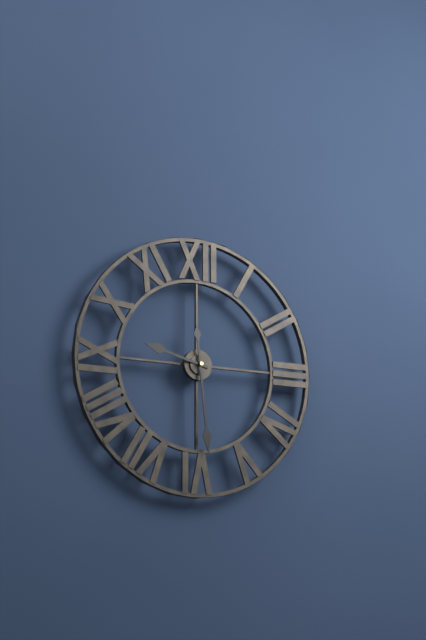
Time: {"hour": 9, "minute": 29}
